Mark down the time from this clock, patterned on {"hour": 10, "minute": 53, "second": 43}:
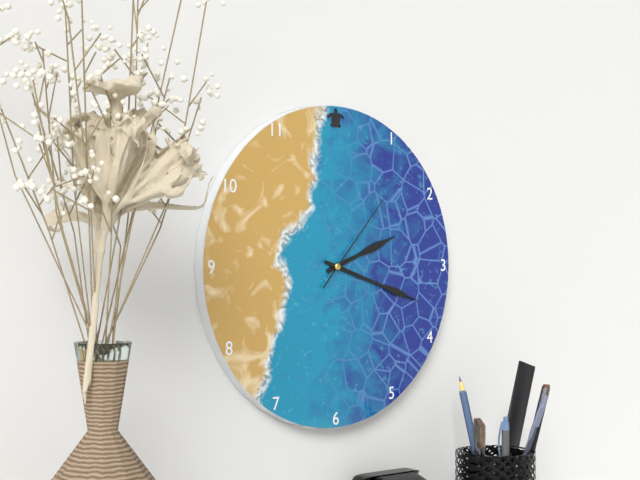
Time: {"hour": 2, "minute": 18, "second": 7}
